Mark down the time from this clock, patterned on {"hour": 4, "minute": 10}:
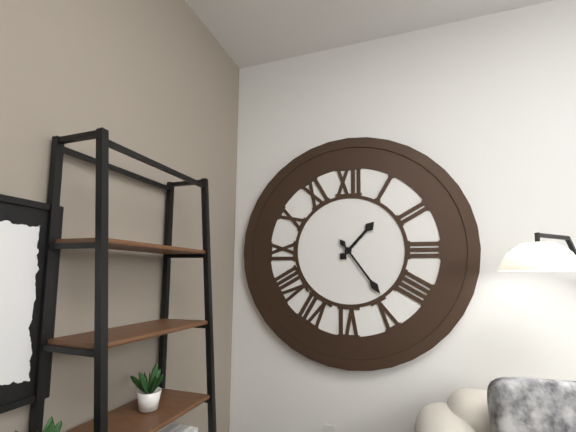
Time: {"hour": 1, "minute": 24}
